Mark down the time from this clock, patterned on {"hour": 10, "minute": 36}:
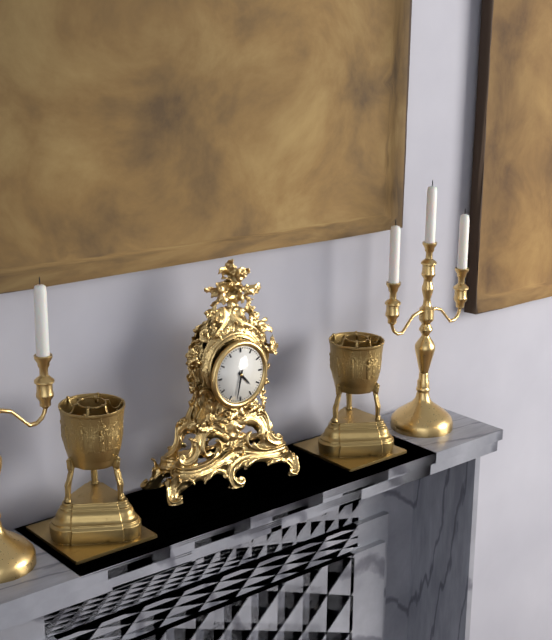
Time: {"hour": 4, "minute": 32}
